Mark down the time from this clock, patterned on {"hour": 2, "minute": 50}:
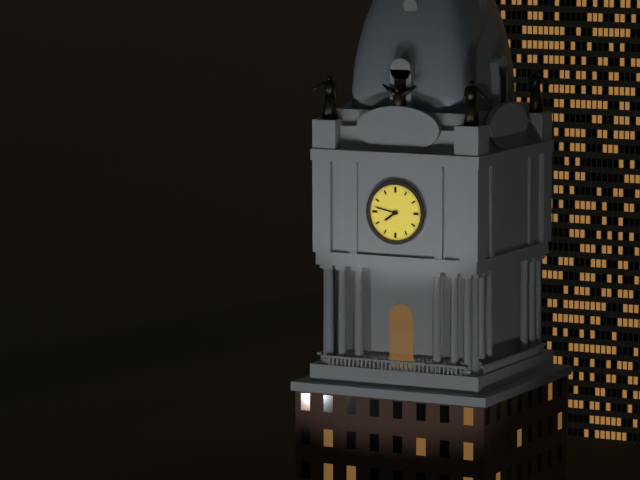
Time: {"hour": 7, "minute": 47}
